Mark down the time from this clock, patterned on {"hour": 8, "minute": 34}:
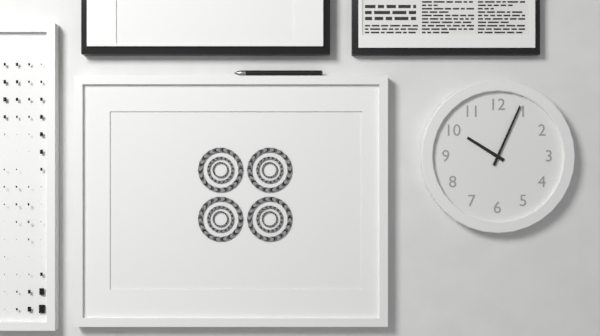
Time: {"hour": 10, "minute": 4}
